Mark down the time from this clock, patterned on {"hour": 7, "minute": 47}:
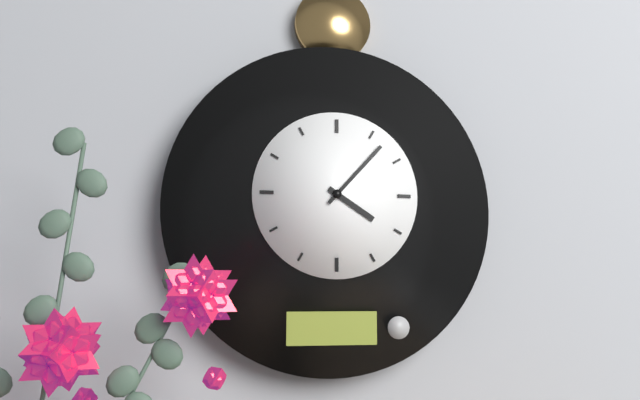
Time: {"hour": 4, "minute": 7}
